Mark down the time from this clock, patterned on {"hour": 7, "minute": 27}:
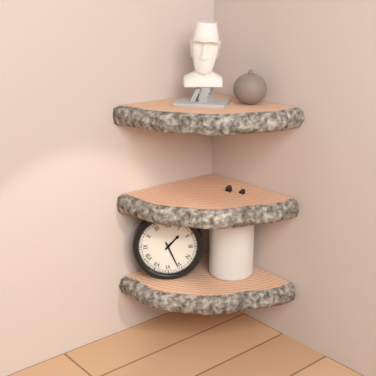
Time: {"hour": 1, "minute": 26}
